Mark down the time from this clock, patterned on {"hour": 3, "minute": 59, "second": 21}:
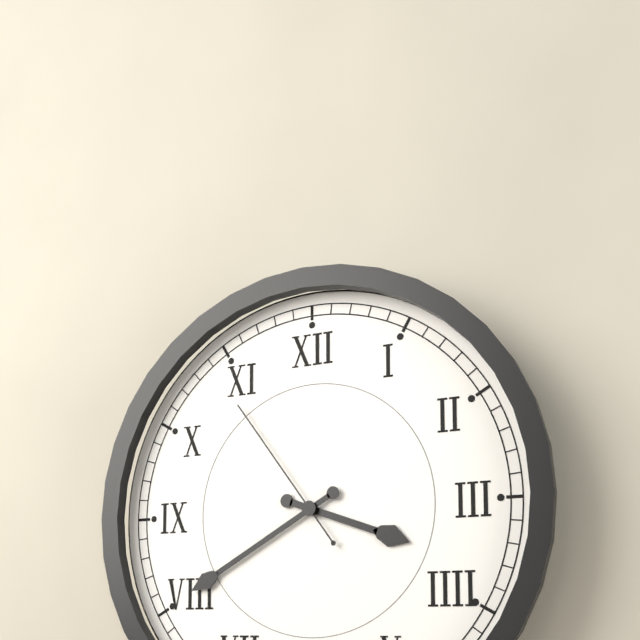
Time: {"hour": 3, "minute": 40, "second": 54}
